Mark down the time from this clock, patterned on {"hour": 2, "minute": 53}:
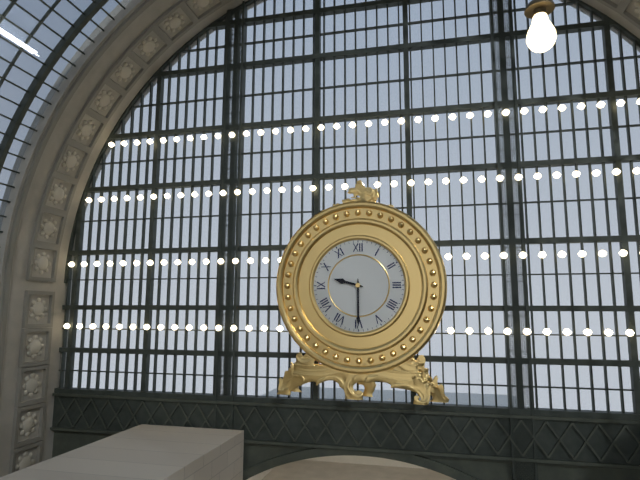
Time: {"hour": 9, "minute": 30}
